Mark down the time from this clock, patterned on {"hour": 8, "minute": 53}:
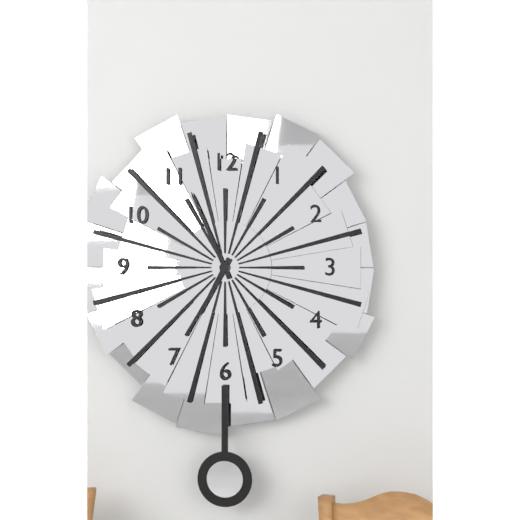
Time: {"hour": 6, "minute": 56}
